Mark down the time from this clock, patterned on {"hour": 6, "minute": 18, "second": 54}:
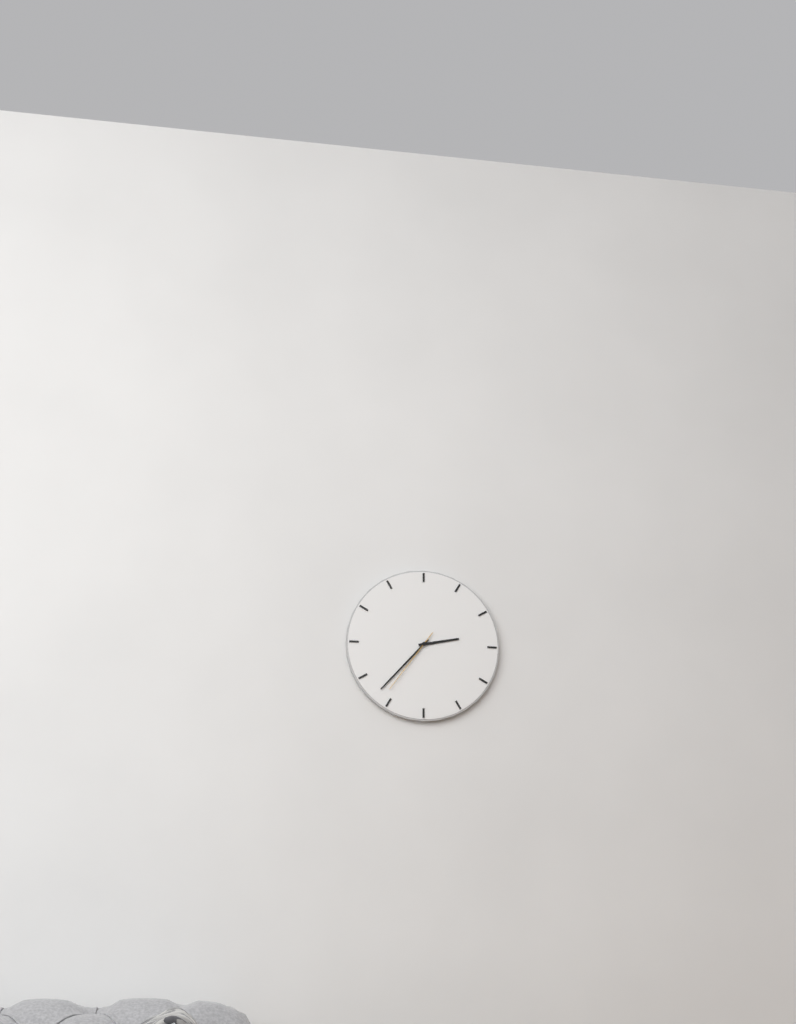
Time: {"hour": 2, "minute": 37, "second": 36}
